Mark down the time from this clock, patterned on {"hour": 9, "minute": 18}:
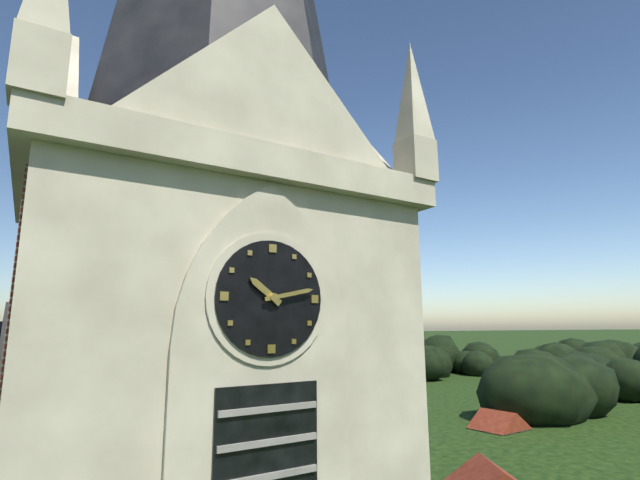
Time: {"hour": 10, "minute": 13}
